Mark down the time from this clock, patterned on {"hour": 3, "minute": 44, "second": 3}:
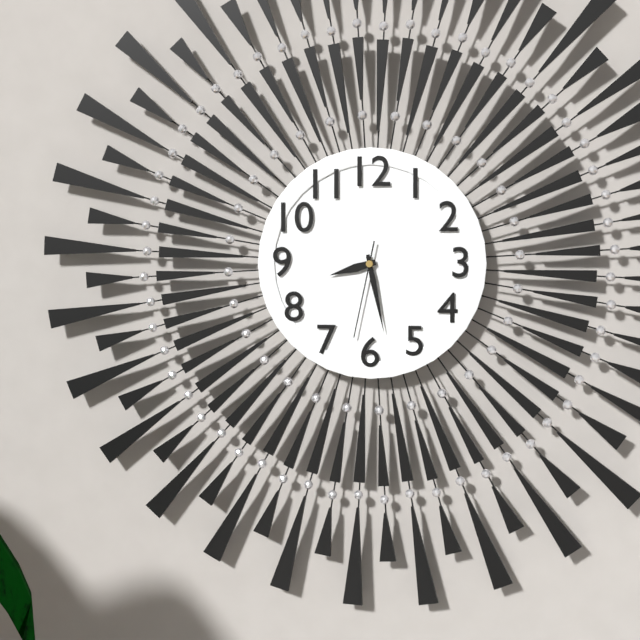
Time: {"hour": 8, "minute": 28, "second": 32}
